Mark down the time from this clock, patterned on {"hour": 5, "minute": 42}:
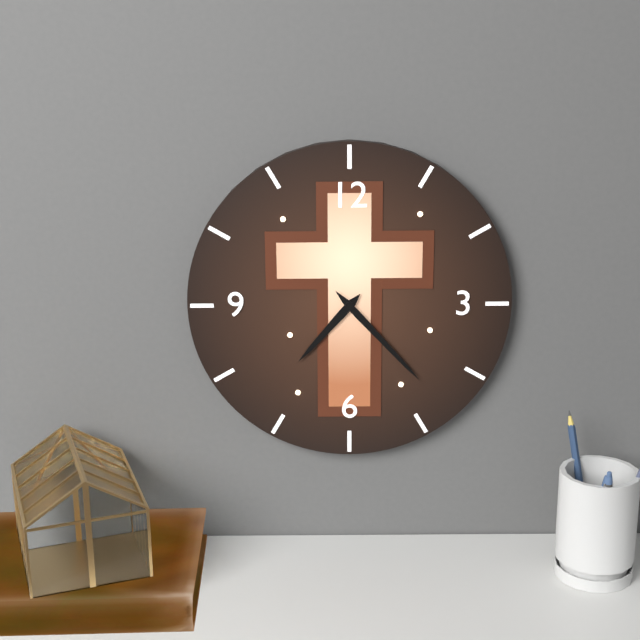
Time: {"hour": 7, "minute": 23}
